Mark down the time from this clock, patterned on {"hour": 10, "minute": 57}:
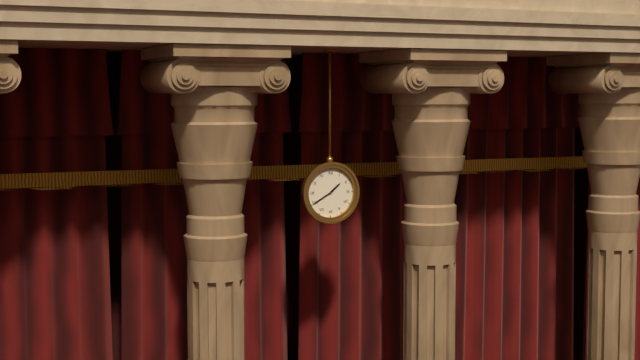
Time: {"hour": 1, "minute": 40}
